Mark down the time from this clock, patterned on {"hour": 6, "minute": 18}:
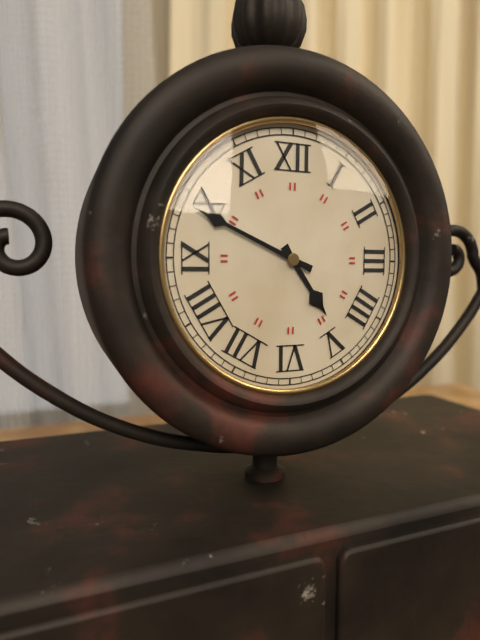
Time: {"hour": 4, "minute": 49}
